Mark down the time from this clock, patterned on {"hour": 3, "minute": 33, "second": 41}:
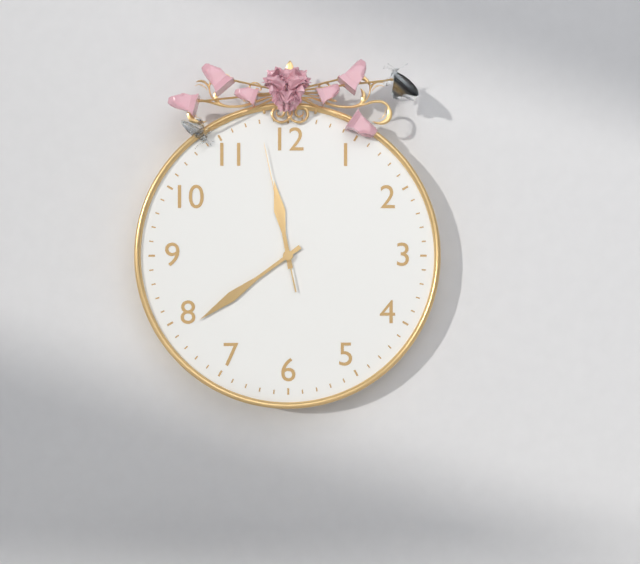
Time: {"hour": 11, "minute": 39, "second": 58}
